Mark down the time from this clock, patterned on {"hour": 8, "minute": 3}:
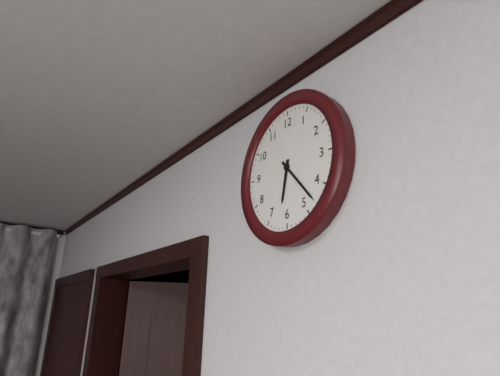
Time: {"hour": 6, "minute": 23}
